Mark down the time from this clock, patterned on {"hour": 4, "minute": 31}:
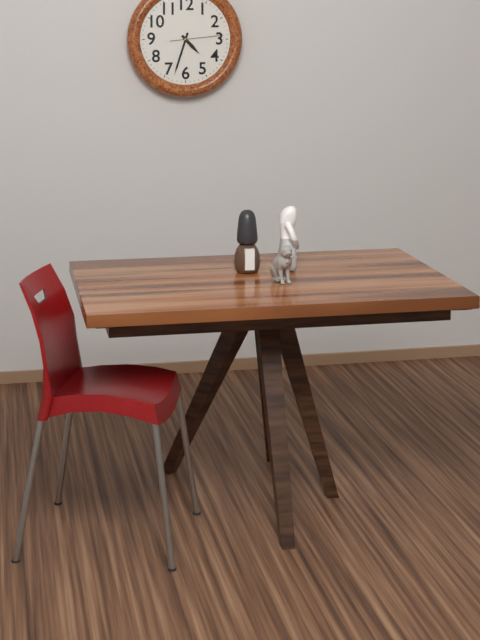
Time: {"hour": 4, "minute": 33}
